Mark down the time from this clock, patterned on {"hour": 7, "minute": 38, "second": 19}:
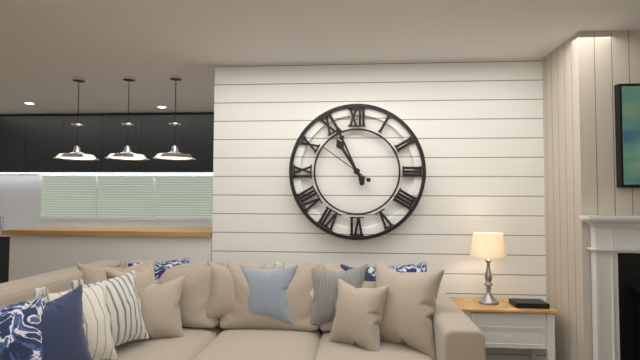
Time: {"hour": 10, "minute": 56, "second": 51}
